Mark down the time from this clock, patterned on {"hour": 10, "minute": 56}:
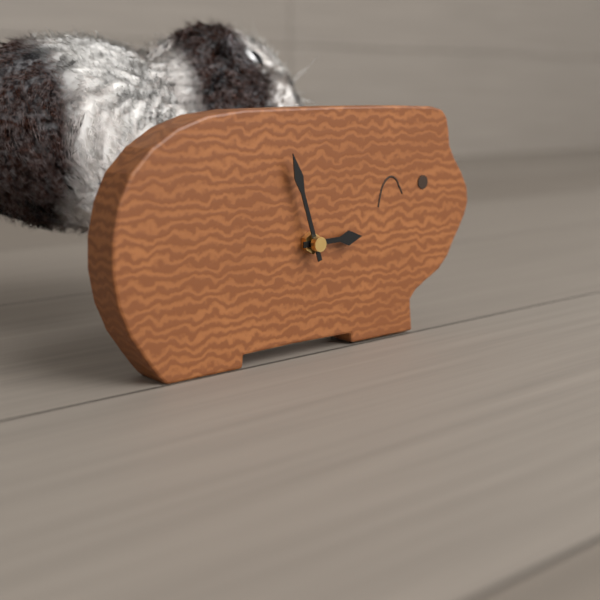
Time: {"hour": 2, "minute": 57}
